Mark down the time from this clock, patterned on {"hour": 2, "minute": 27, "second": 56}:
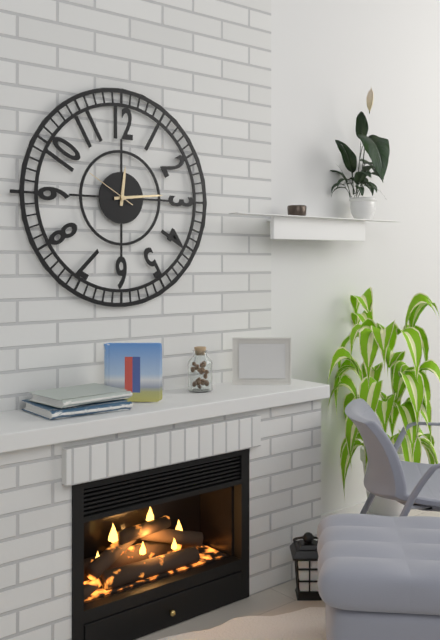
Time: {"hour": 12, "minute": 14, "second": 50}
